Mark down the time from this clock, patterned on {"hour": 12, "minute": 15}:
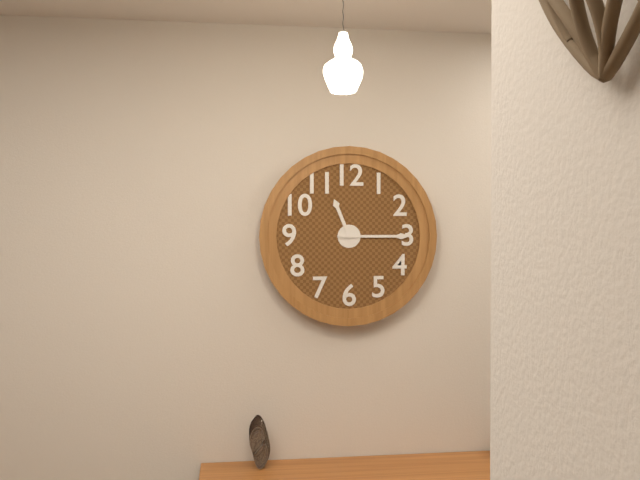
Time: {"hour": 11, "minute": 15}
